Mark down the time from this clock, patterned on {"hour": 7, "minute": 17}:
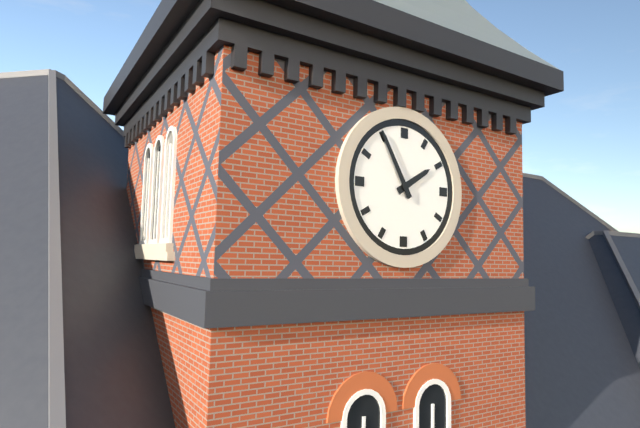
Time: {"hour": 1, "minute": 55}
